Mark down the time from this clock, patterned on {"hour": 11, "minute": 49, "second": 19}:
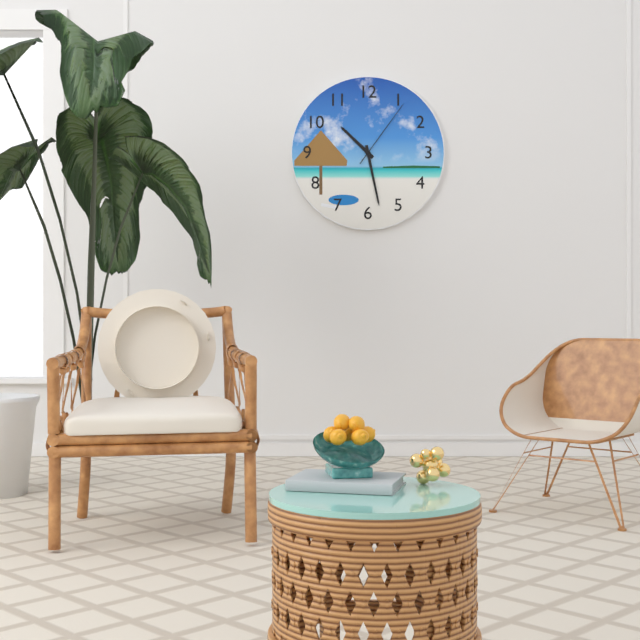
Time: {"hour": 10, "minute": 28, "second": 6}
